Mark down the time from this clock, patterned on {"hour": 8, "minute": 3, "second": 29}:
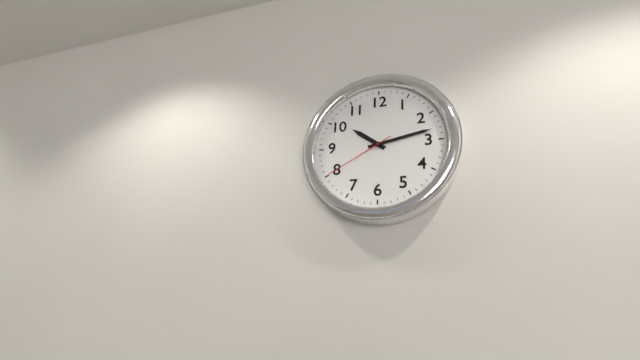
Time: {"hour": 10, "minute": 13, "second": 40}
